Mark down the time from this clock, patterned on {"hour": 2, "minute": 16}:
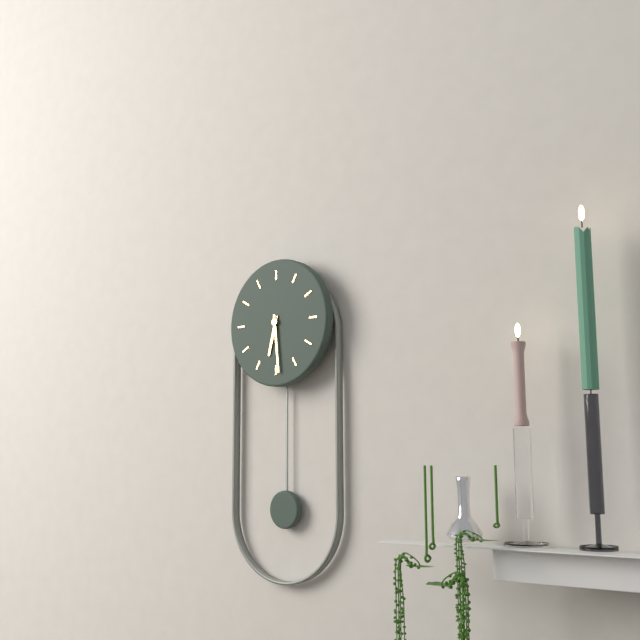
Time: {"hour": 6, "minute": 29}
